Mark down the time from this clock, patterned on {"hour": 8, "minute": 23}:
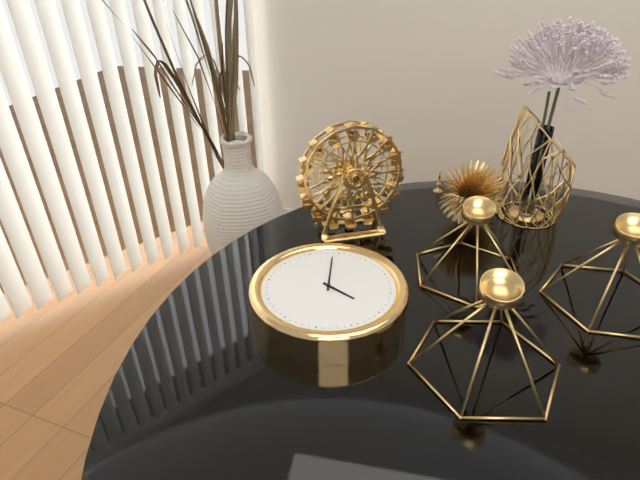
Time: {"hour": 3, "minute": 59}
